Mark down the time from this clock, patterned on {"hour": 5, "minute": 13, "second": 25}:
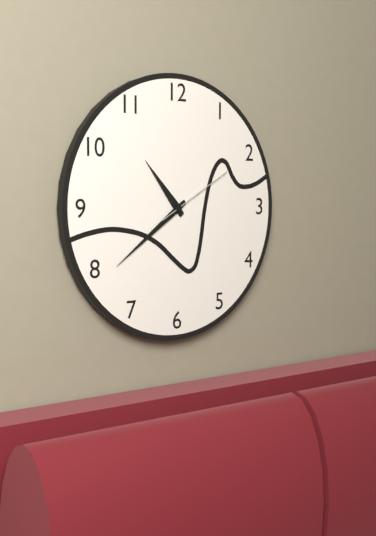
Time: {"hour": 10, "minute": 39, "second": 10}
